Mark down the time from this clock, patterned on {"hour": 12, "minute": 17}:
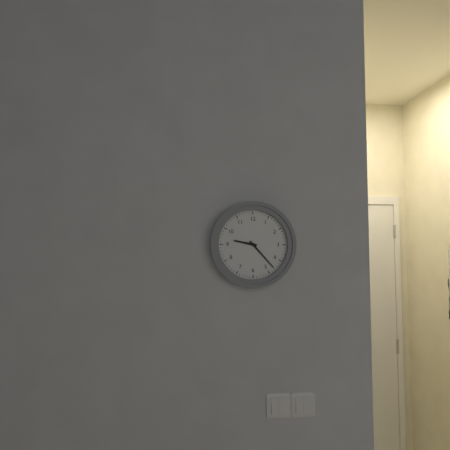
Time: {"hour": 9, "minute": 23}
